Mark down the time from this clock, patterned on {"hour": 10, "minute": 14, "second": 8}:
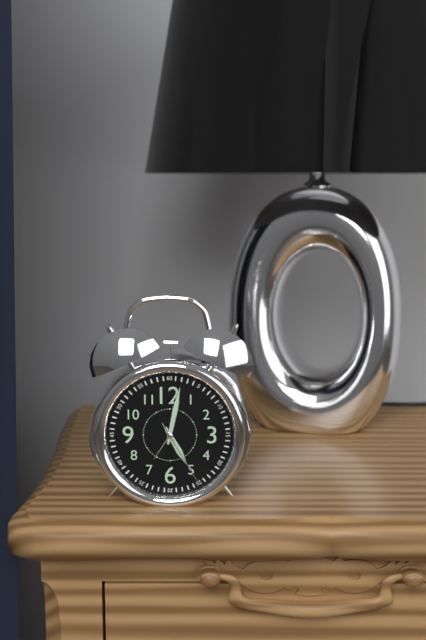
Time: {"hour": 5, "minute": 2, "second": 25}
